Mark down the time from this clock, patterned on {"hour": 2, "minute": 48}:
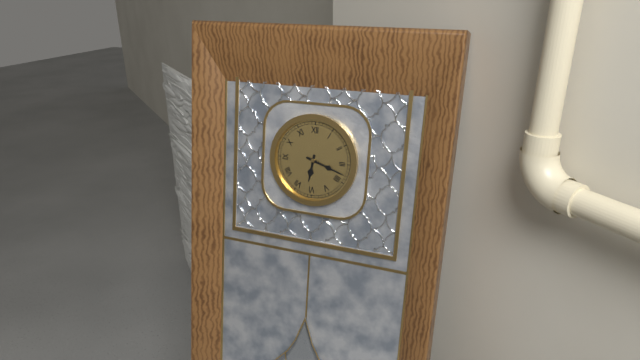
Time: {"hour": 6, "minute": 18}
